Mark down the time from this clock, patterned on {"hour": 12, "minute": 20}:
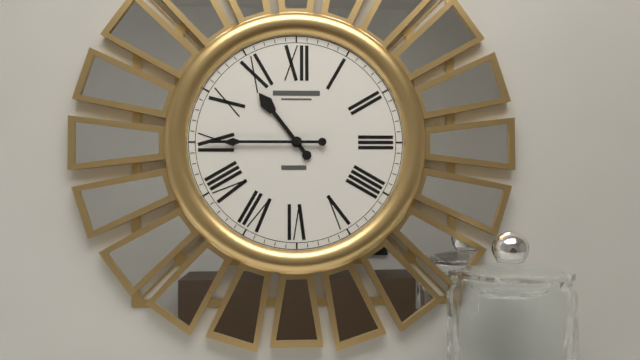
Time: {"hour": 10, "minute": 45}
